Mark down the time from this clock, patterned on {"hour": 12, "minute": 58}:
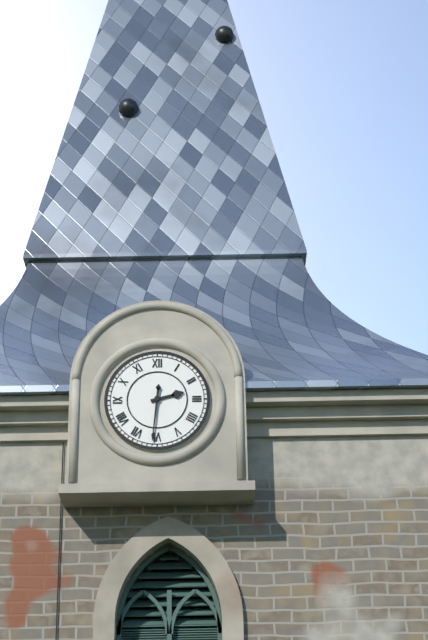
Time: {"hour": 2, "minute": 31}
